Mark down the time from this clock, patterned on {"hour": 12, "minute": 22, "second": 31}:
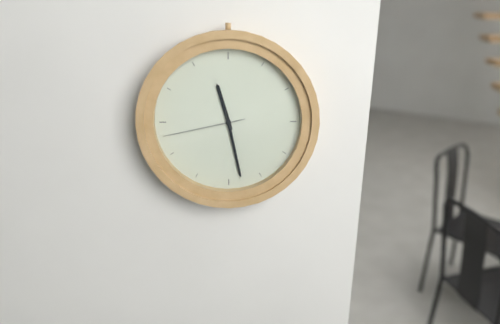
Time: {"hour": 11, "minute": 28, "second": 43}
